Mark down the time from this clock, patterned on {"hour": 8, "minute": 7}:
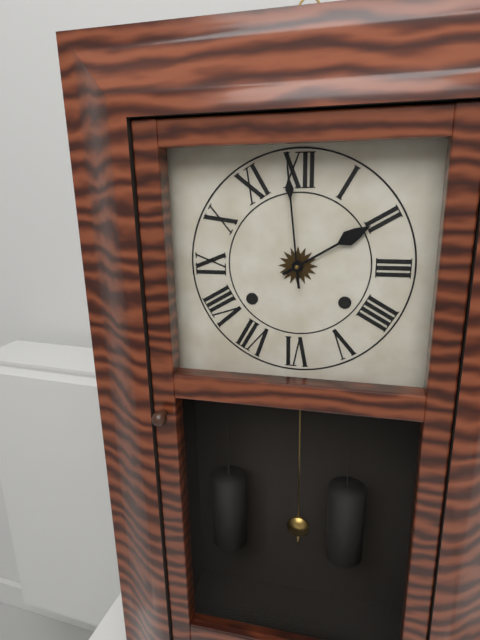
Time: {"hour": 1, "minute": 59}
